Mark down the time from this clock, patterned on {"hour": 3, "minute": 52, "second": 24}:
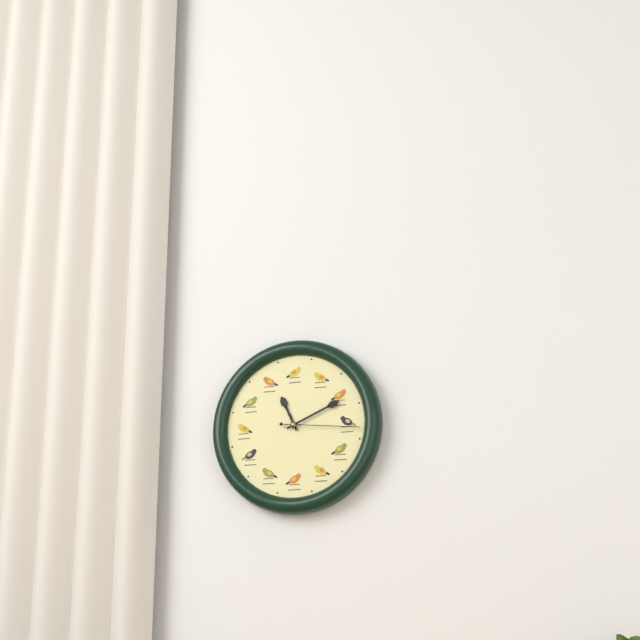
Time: {"hour": 11, "minute": 11, "second": 16}
